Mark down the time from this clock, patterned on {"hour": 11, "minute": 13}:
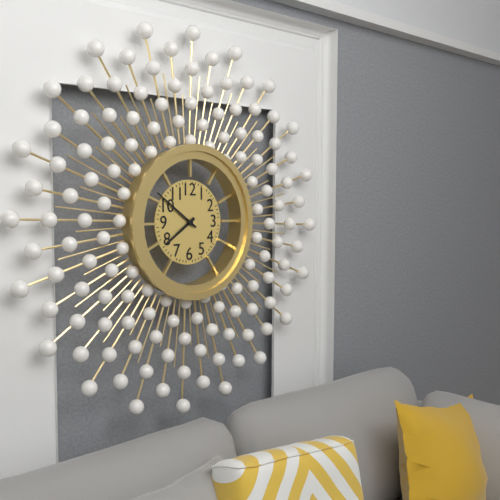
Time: {"hour": 7, "minute": 51}
